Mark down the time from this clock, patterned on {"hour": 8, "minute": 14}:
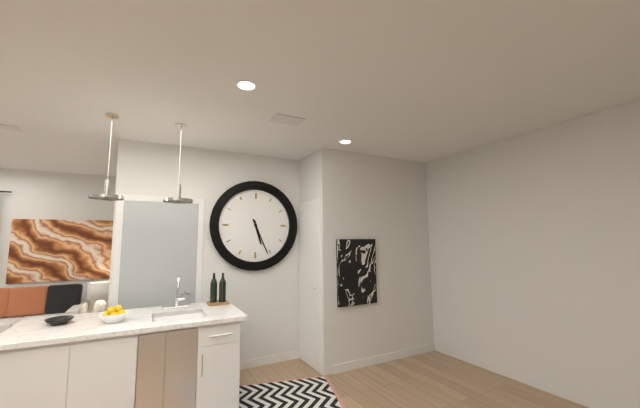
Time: {"hour": 5, "minute": 26}
